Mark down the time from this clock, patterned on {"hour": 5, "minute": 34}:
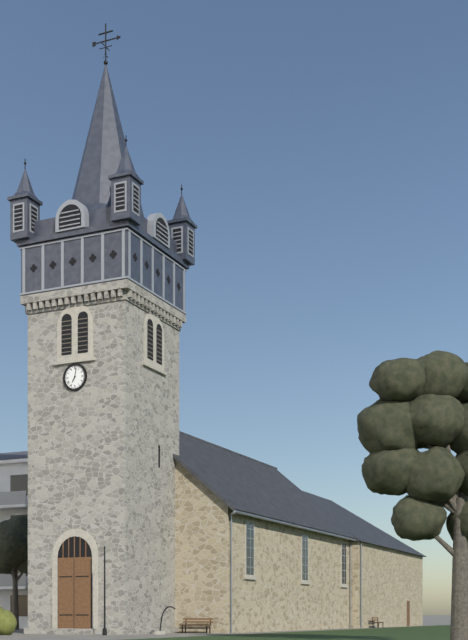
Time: {"hour": 7, "minute": 2}
